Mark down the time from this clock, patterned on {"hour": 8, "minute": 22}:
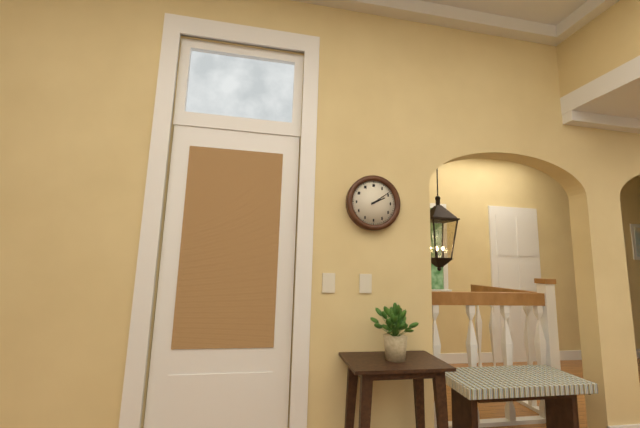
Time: {"hour": 2, "minute": 9}
